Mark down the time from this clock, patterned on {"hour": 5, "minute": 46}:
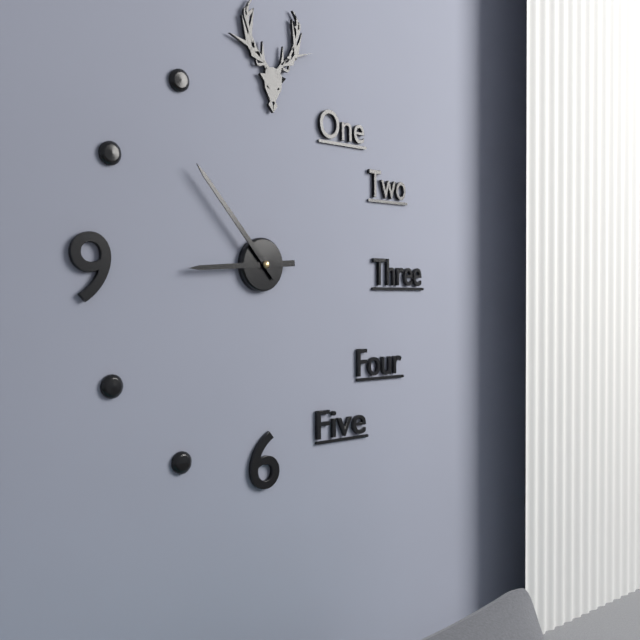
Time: {"hour": 8, "minute": 53}
